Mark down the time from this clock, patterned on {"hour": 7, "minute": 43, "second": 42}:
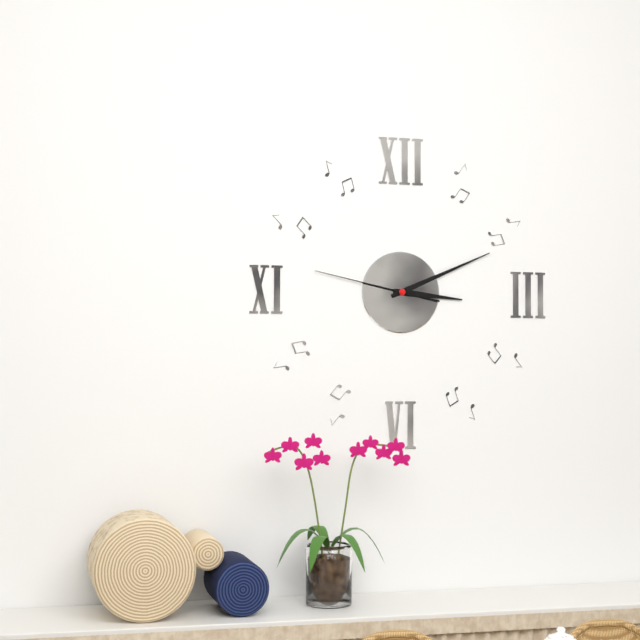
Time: {"hour": 3, "minute": 11, "second": 47}
